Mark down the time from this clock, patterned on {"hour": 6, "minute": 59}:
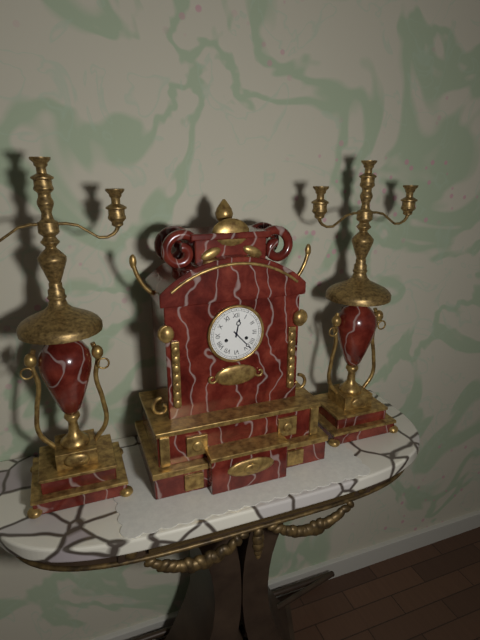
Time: {"hour": 12, "minute": 23}
